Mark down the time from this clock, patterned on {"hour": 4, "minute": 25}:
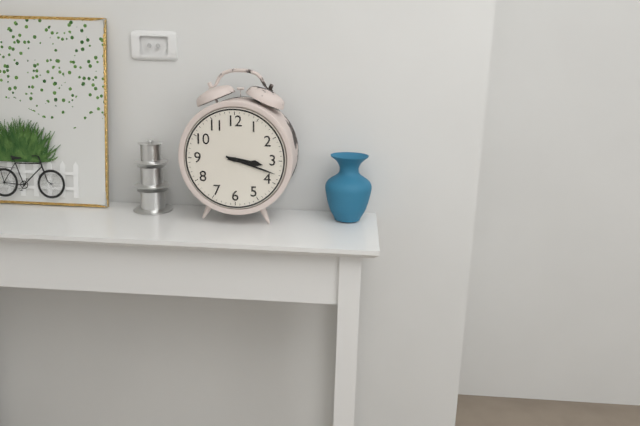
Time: {"hour": 3, "minute": 18}
